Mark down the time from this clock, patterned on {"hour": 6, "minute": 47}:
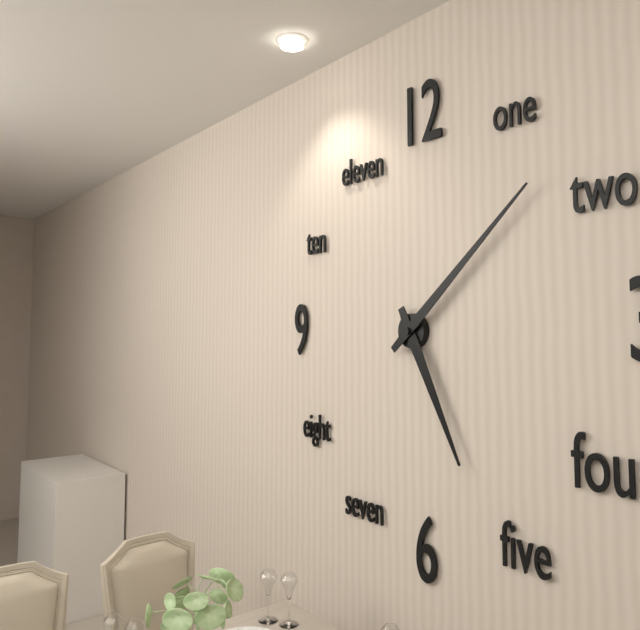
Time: {"hour": 5, "minute": 8}
